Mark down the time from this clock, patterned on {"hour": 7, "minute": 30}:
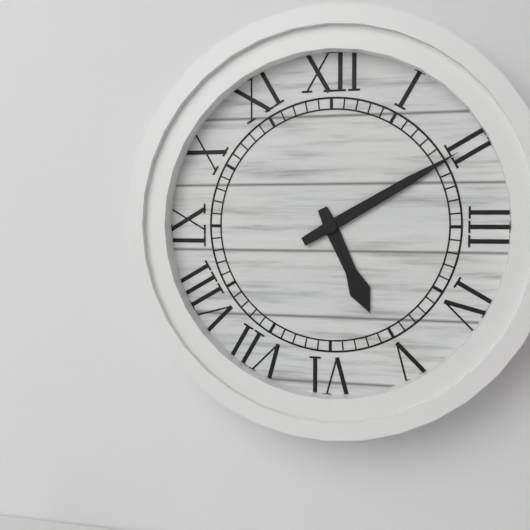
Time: {"hour": 5, "minute": 10}
